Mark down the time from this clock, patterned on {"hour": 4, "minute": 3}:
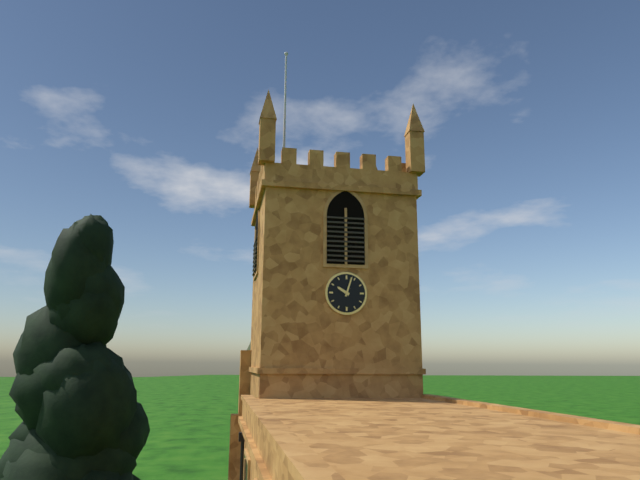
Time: {"hour": 10, "minute": 3}
